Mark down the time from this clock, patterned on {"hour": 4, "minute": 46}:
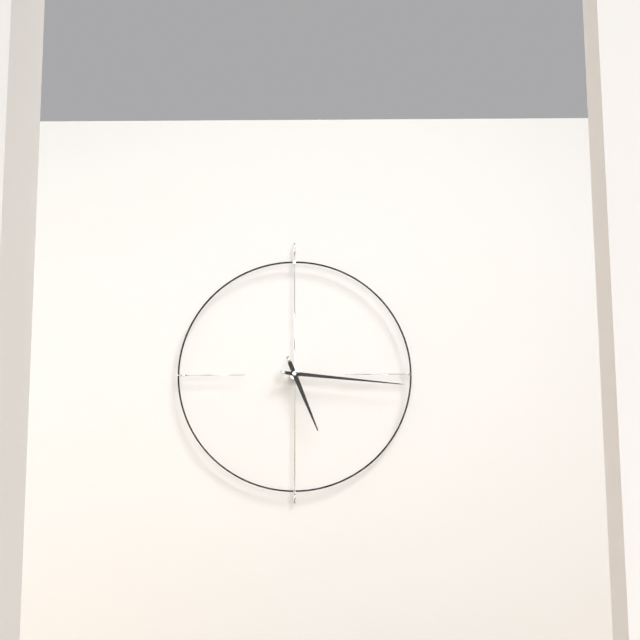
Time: {"hour": 5, "minute": 16}
